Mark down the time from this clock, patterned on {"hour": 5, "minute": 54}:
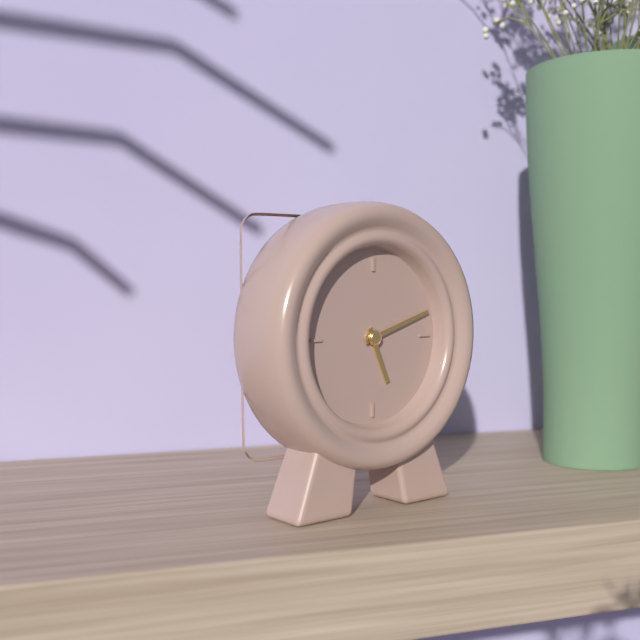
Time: {"hour": 5, "minute": 12}
